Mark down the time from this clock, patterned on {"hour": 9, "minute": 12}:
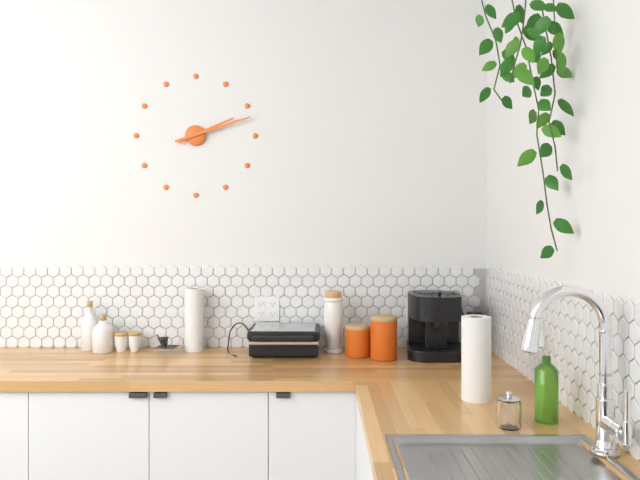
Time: {"hour": 2, "minute": 12}
